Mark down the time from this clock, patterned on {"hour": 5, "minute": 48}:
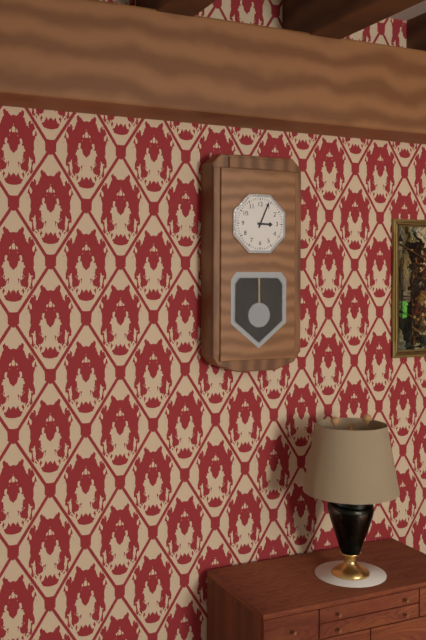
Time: {"hour": 3, "minute": 4}
